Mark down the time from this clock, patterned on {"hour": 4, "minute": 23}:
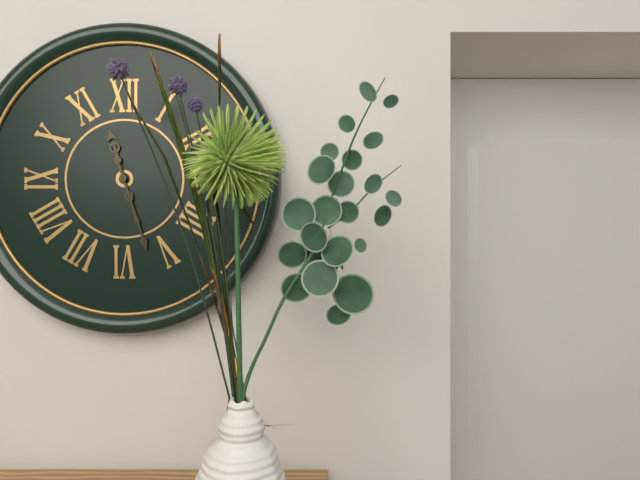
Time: {"hour": 11, "minute": 27}
